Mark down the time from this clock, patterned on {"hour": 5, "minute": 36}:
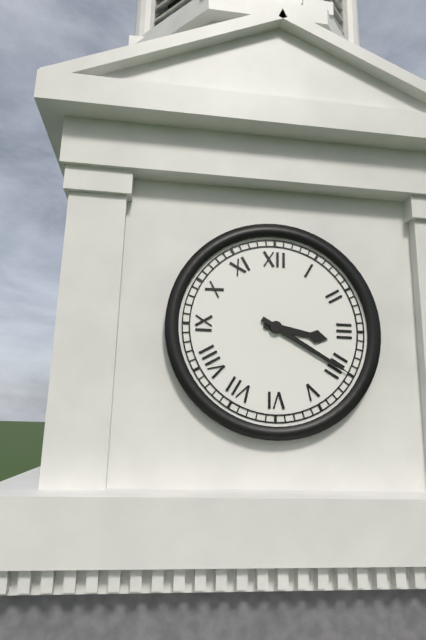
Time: {"hour": 3, "minute": 20}
